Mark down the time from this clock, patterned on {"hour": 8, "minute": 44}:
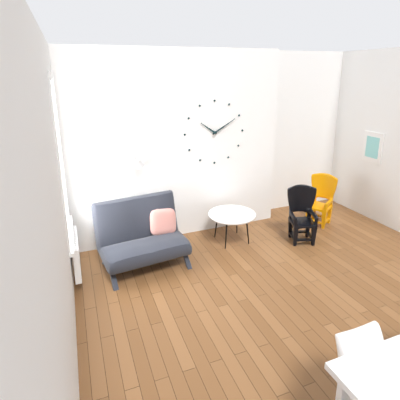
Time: {"hour": 10, "minute": 10}
